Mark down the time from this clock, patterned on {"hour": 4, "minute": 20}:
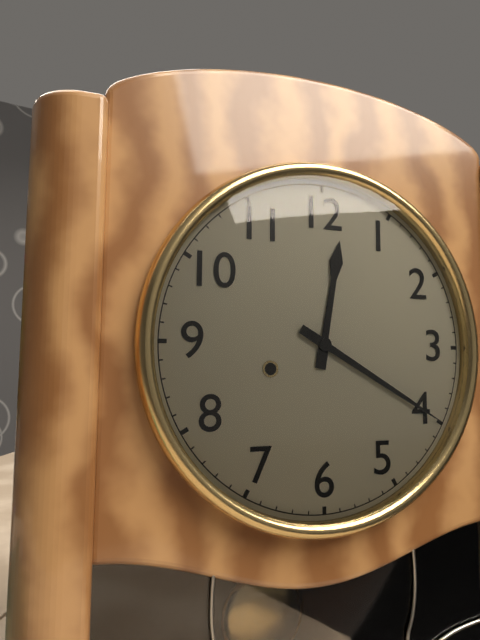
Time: {"hour": 12, "minute": 20}
